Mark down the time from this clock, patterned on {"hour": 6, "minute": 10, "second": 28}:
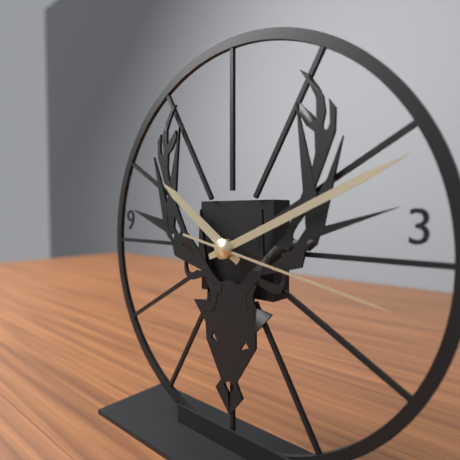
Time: {"hour": 10, "minute": 11, "second": 17}
